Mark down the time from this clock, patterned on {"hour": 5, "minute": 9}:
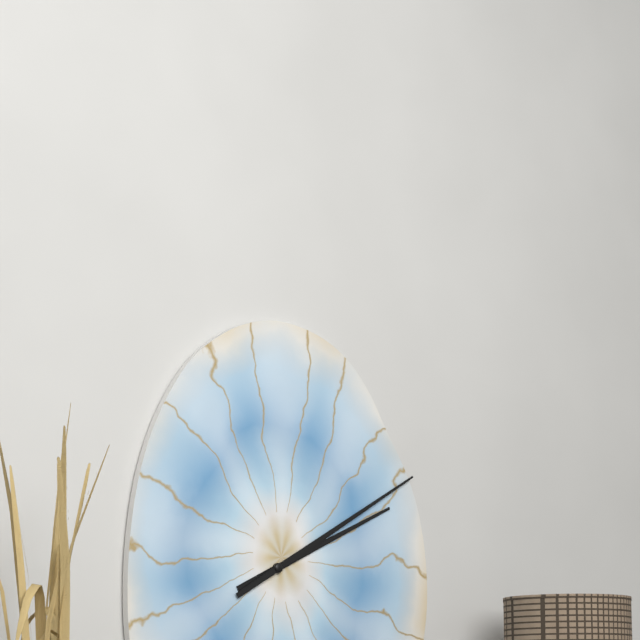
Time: {"hour": 2, "minute": 10}
